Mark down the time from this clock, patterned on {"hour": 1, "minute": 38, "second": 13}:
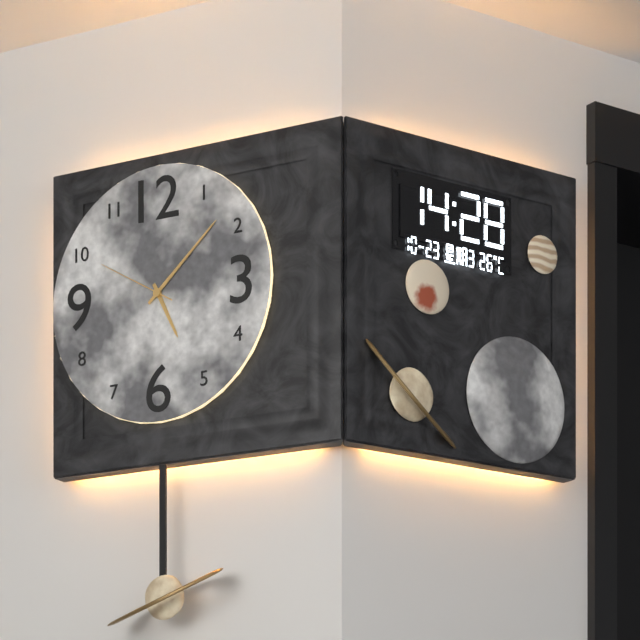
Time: {"hour": 5, "minute": 8, "second": 50}
